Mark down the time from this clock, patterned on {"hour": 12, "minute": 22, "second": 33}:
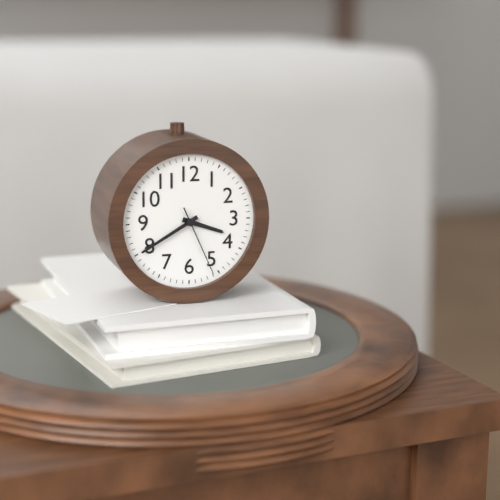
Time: {"hour": 3, "minute": 40, "second": 26}
